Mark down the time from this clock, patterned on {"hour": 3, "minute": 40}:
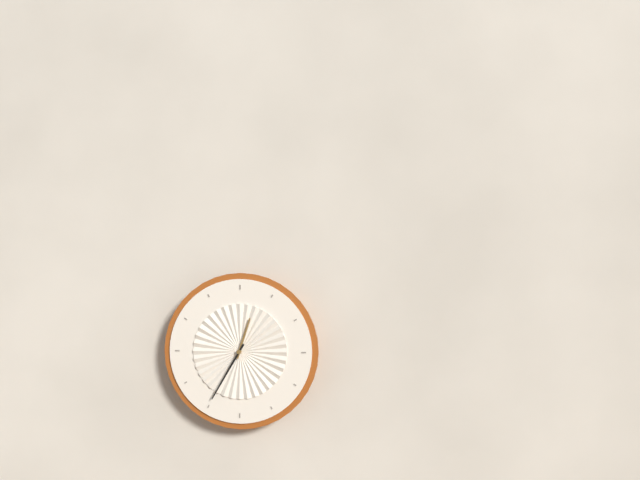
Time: {"hour": 12, "minute": 35}
